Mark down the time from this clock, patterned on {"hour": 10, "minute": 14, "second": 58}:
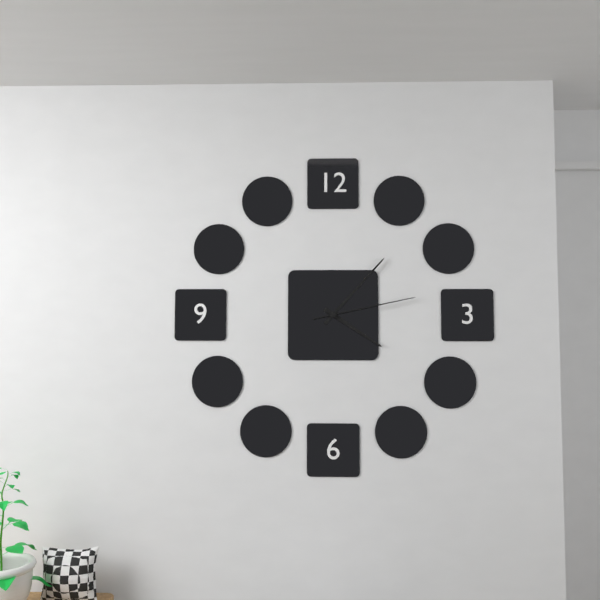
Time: {"hour": 4, "minute": 7, "second": 13}
